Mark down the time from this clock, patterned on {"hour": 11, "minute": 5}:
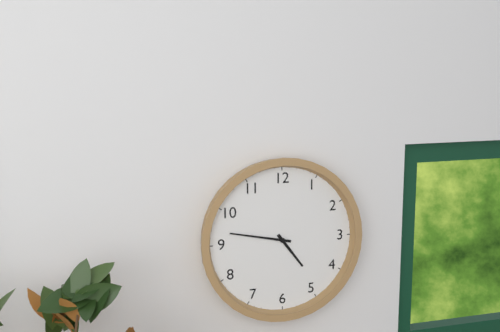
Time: {"hour": 4, "minute": 47}
